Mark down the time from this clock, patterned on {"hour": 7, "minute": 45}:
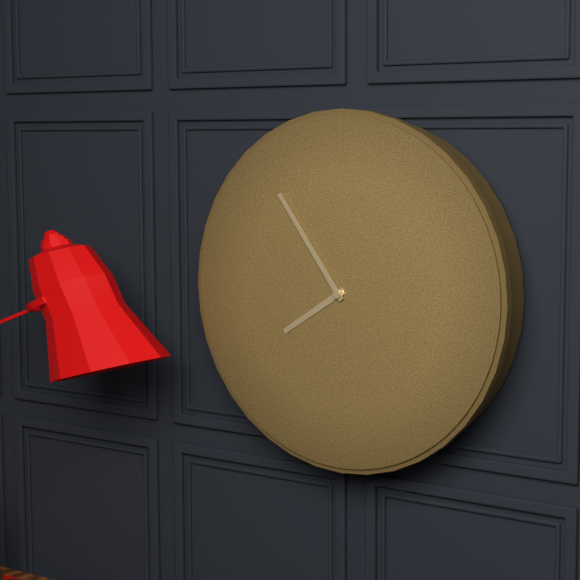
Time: {"hour": 7, "minute": 54}
